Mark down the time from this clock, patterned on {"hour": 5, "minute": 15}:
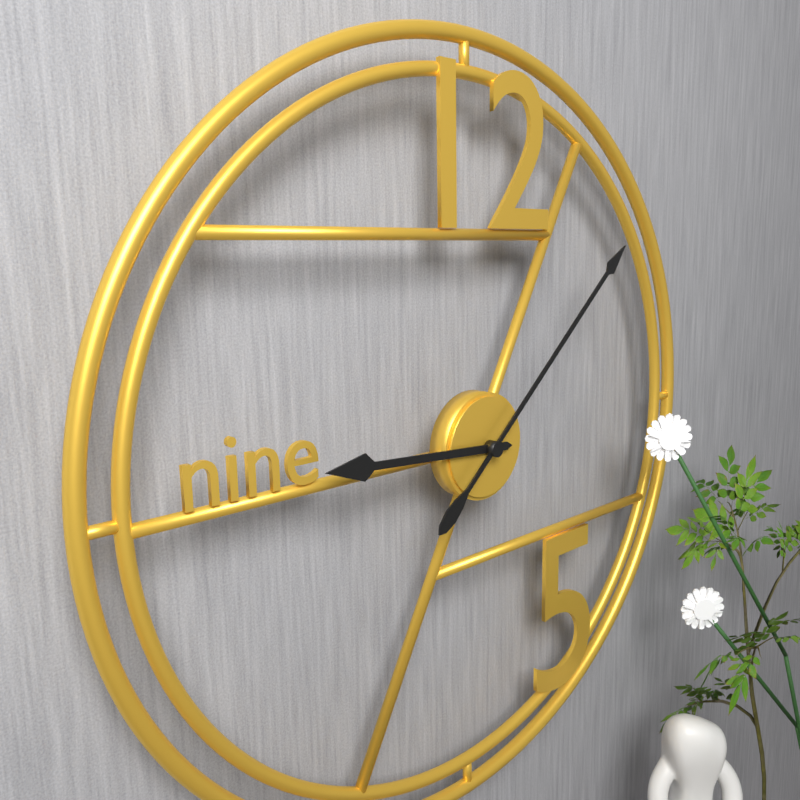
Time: {"hour": 9, "minute": 8}
